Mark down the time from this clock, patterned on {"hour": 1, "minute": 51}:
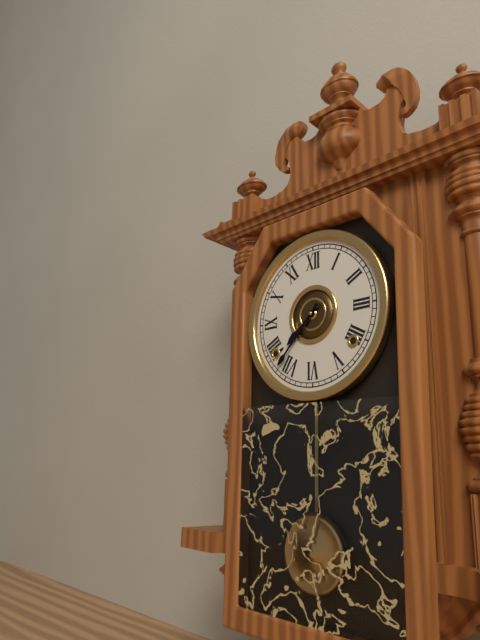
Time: {"hour": 7, "minute": 37}
